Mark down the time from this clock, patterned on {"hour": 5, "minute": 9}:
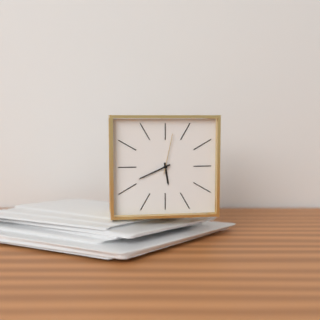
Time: {"hour": 5, "minute": 41}
